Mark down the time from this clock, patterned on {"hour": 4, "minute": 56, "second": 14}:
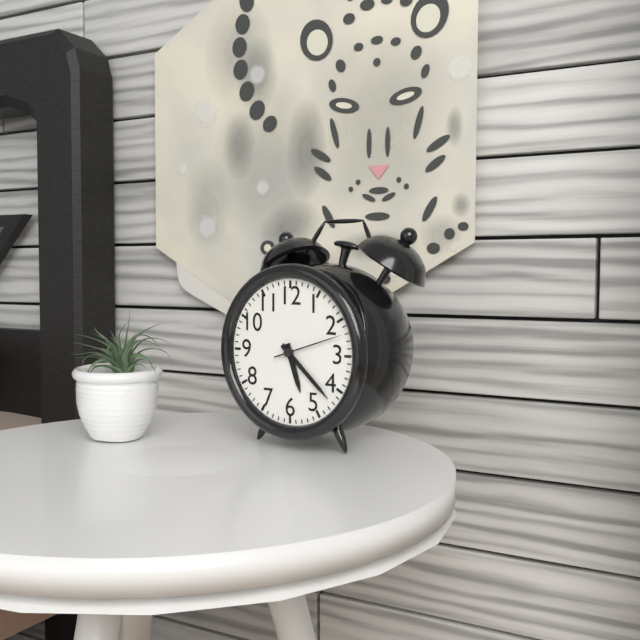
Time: {"hour": 5, "minute": 22, "second": 12}
